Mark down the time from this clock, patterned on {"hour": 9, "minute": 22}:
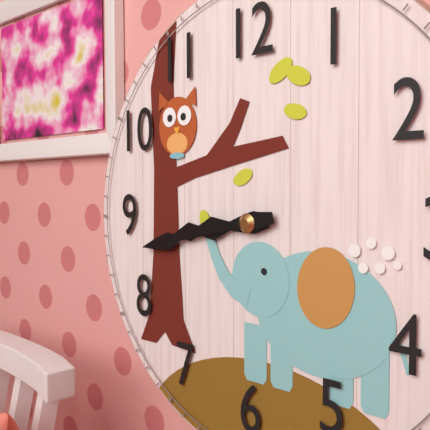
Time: {"hour": 8, "minute": 43}
